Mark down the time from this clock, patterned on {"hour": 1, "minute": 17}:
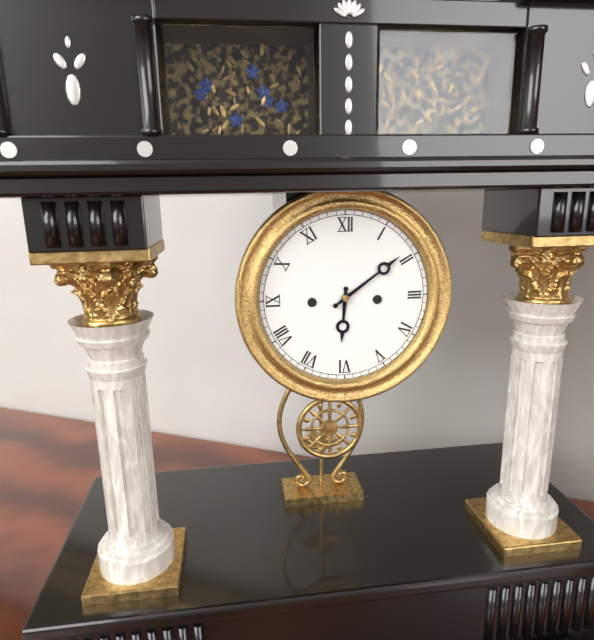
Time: {"hour": 6, "minute": 9}
